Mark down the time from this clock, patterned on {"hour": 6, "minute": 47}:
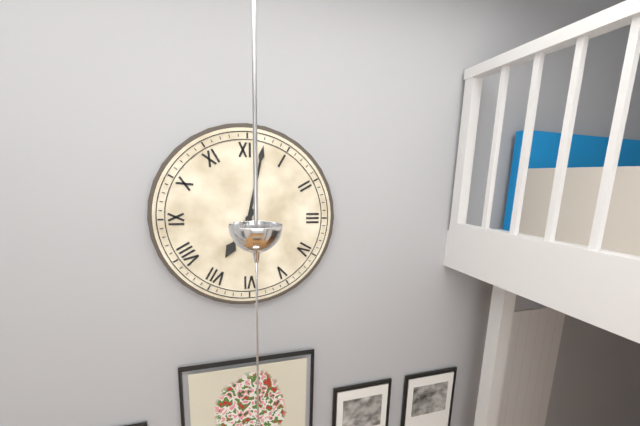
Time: {"hour": 7, "minute": 2}
